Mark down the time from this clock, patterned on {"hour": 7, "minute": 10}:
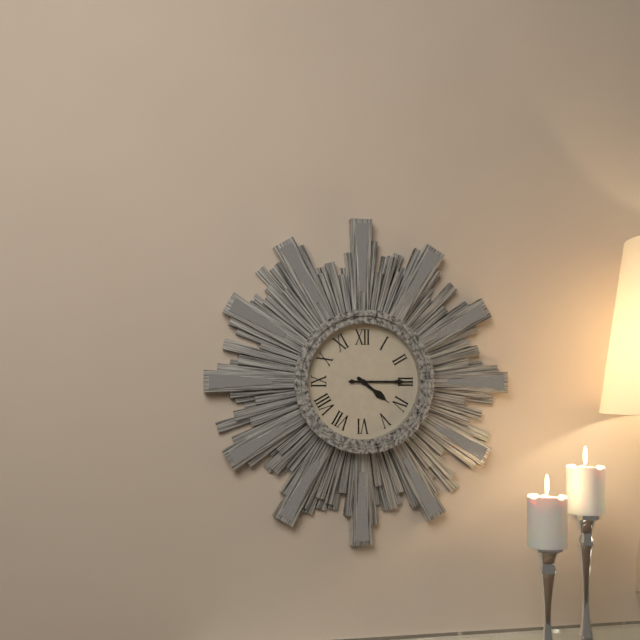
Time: {"hour": 4, "minute": 15}
